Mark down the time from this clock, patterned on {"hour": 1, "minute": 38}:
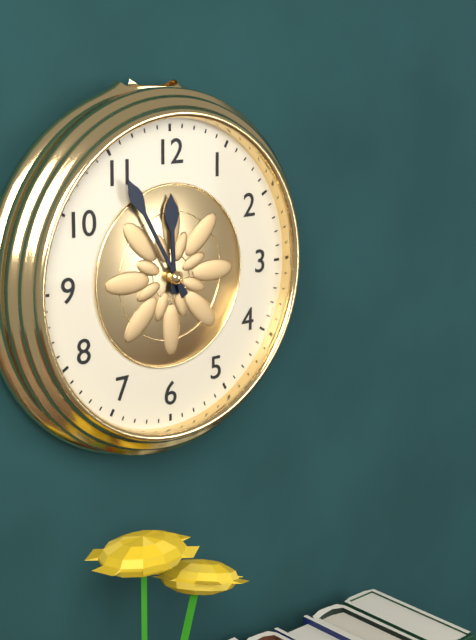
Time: {"hour": 11, "minute": 55}
